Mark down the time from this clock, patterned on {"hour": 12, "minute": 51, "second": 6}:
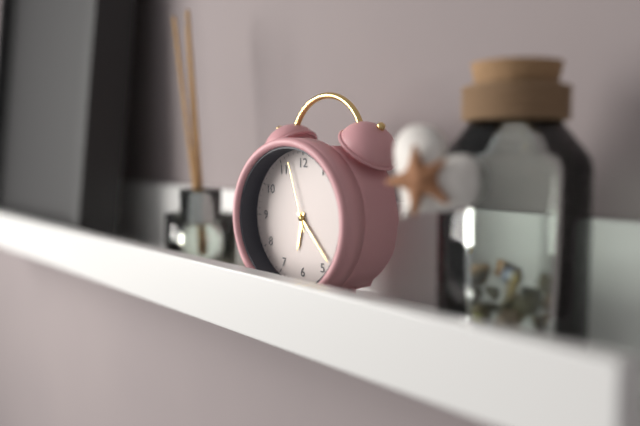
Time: {"hour": 6, "minute": 23, "second": 57}
